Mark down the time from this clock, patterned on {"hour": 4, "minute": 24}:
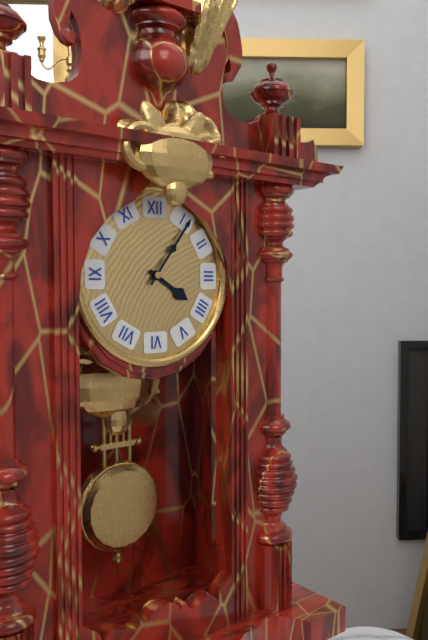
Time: {"hour": 4, "minute": 6}
